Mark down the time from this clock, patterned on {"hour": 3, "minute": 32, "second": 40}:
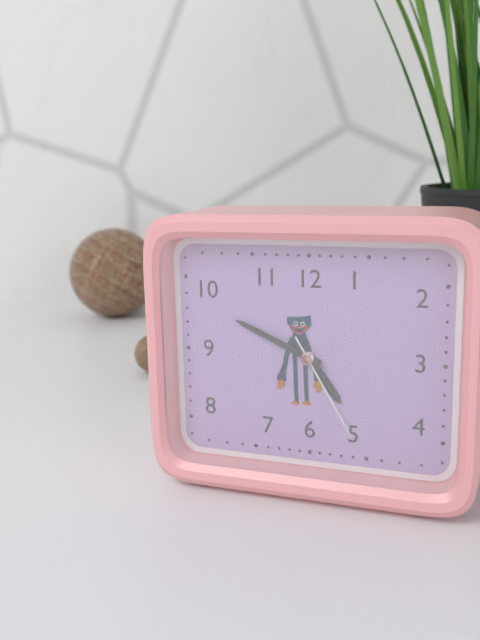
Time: {"hour": 4, "minute": 49, "second": 25}
